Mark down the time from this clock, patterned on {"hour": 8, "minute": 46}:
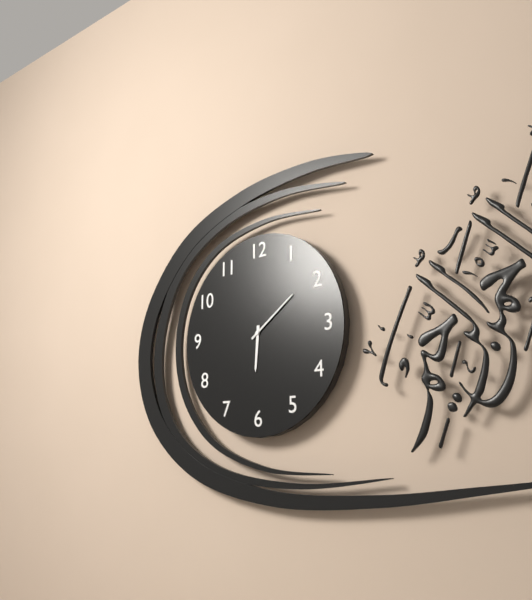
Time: {"hour": 6, "minute": 9}
